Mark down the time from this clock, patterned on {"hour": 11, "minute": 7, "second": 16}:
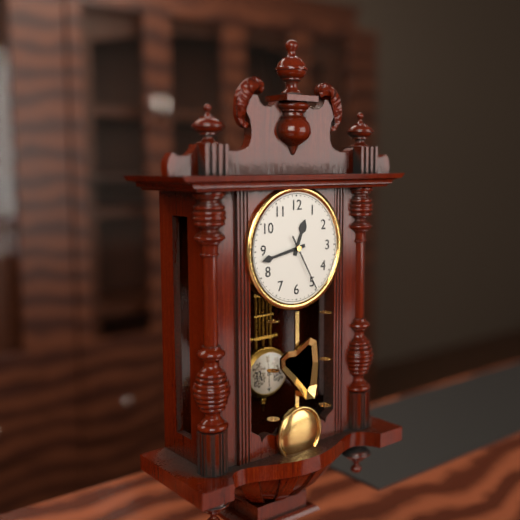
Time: {"hour": 12, "minute": 43, "second": 25}
